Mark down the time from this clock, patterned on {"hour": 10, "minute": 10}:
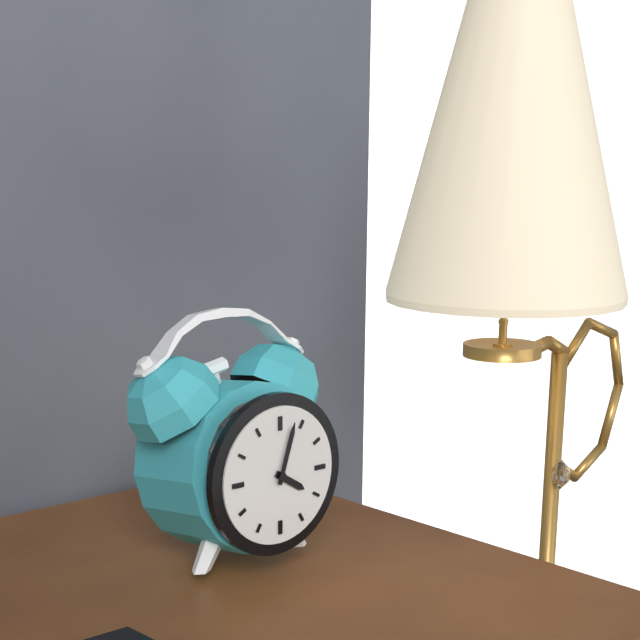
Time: {"hour": 4, "minute": 3}
